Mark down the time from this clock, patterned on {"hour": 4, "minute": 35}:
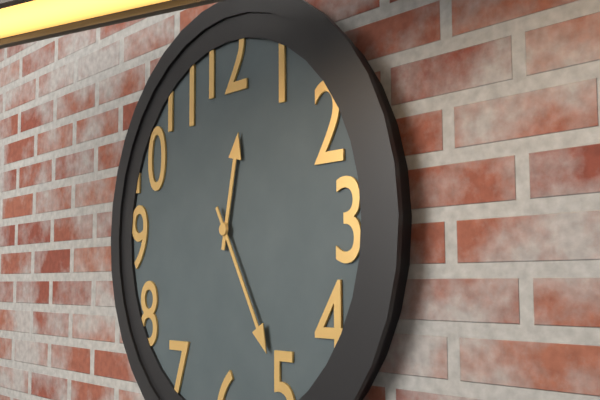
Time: {"hour": 12, "minute": 25}
